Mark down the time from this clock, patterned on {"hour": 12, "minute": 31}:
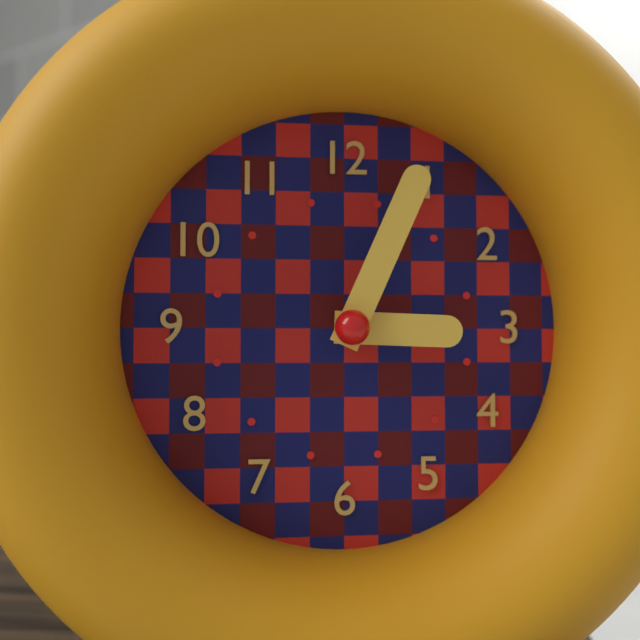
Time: {"hour": 3, "minute": 4}
